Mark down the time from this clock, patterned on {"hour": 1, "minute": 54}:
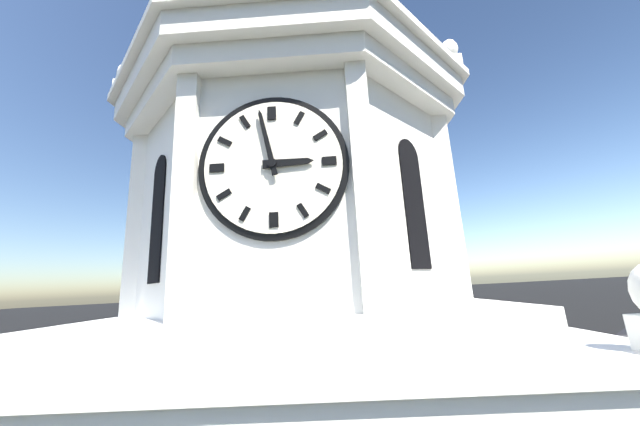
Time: {"hour": 2, "minute": 58}
